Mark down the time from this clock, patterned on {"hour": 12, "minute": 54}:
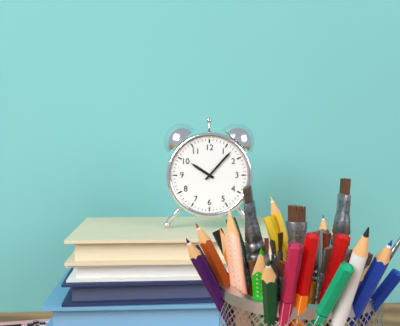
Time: {"hour": 10, "minute": 7}
